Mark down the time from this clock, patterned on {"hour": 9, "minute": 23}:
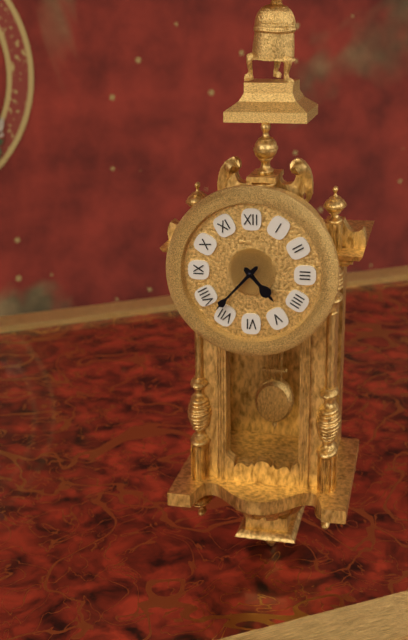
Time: {"hour": 4, "minute": 37}
